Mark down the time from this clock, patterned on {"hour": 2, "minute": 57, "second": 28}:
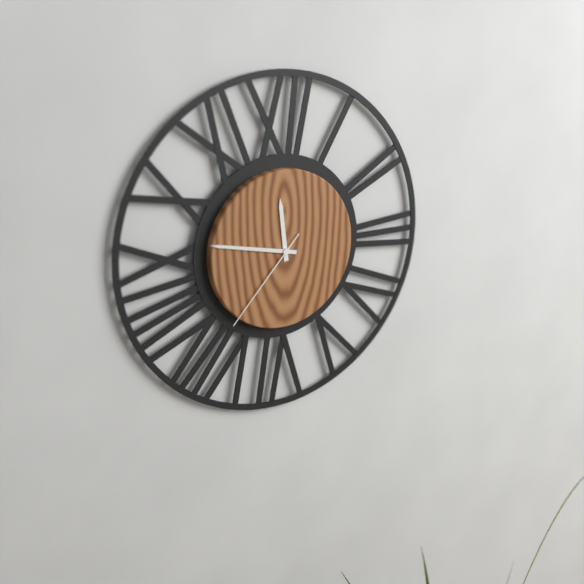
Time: {"hour": 11, "minute": 47, "second": 37}
